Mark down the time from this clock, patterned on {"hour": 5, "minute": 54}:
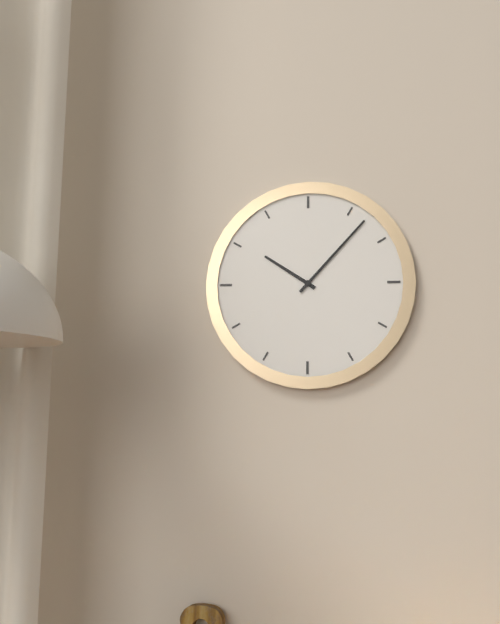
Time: {"hour": 10, "minute": 7}
